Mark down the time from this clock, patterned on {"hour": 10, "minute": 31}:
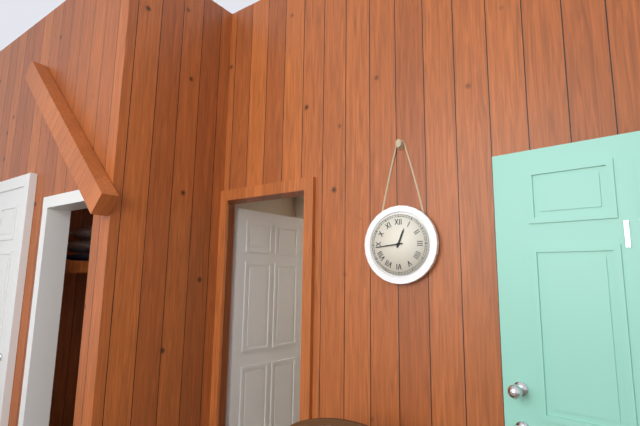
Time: {"hour": 12, "minute": 44}
